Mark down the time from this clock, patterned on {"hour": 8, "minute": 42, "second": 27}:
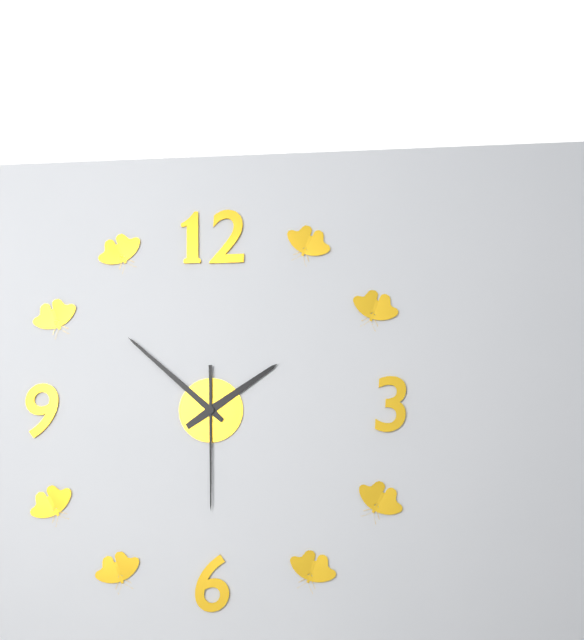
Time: {"hour": 1, "minute": 52, "second": 30}
